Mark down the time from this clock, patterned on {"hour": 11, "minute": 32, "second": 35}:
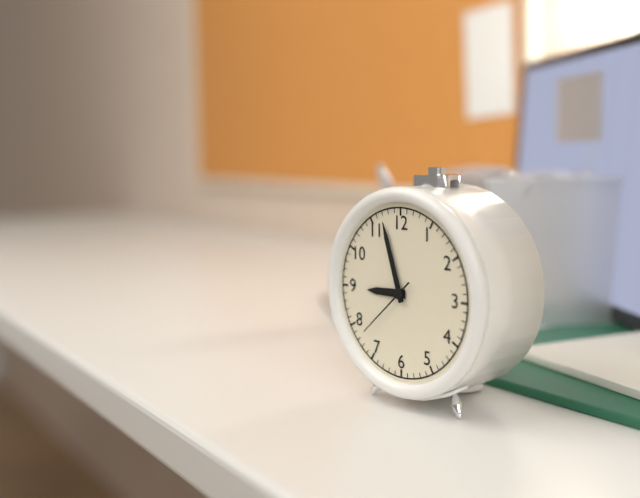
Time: {"hour": 8, "minute": 57, "second": 38}
